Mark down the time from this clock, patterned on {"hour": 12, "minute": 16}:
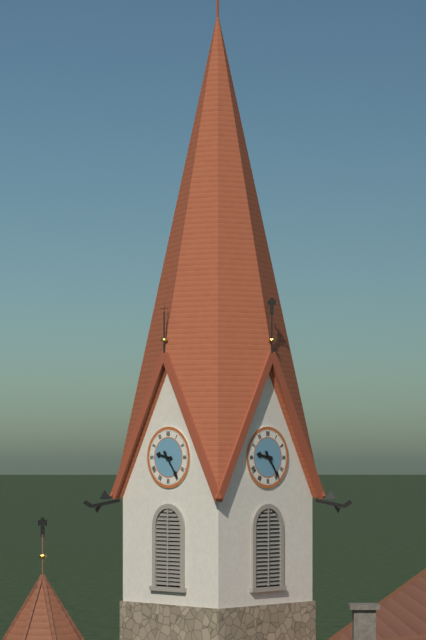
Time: {"hour": 9, "minute": 24}
